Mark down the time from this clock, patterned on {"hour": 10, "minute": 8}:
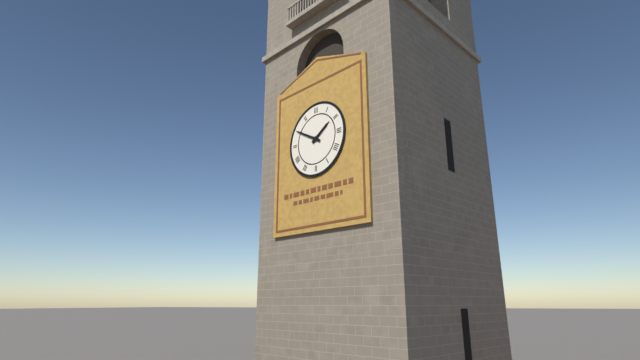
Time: {"hour": 1, "minute": 50}
